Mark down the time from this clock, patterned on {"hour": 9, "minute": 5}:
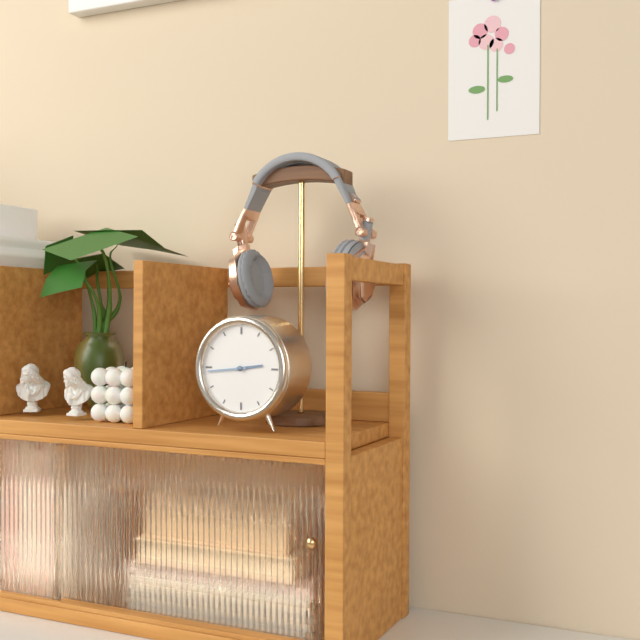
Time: {"hour": 2, "minute": 44}
